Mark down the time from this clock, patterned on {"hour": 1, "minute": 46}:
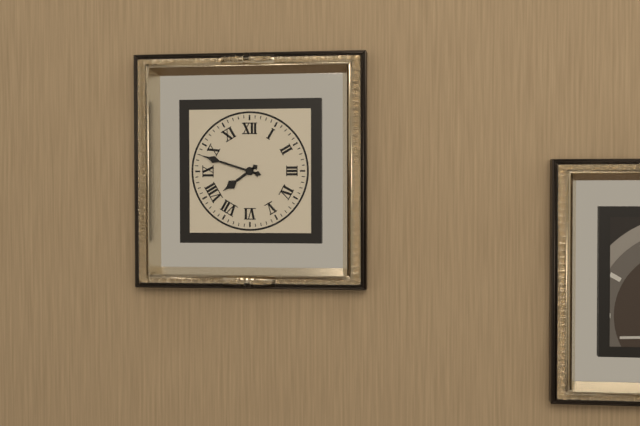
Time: {"hour": 7, "minute": 48}
